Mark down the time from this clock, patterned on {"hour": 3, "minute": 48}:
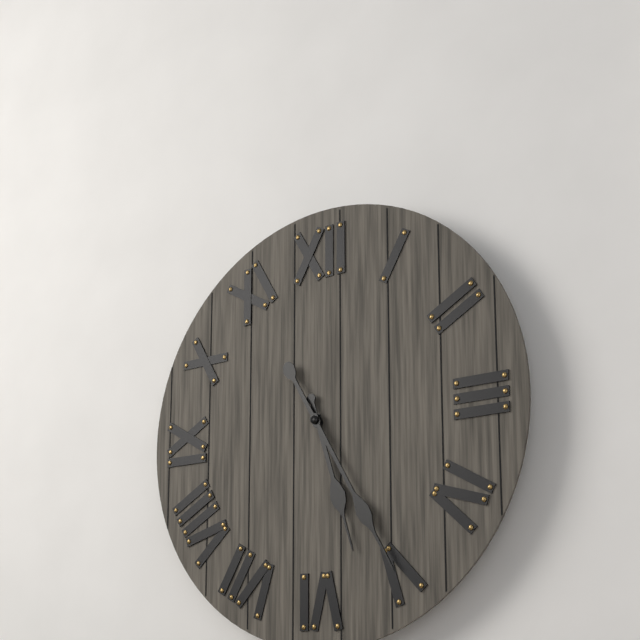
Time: {"hour": 5, "minute": 25}
